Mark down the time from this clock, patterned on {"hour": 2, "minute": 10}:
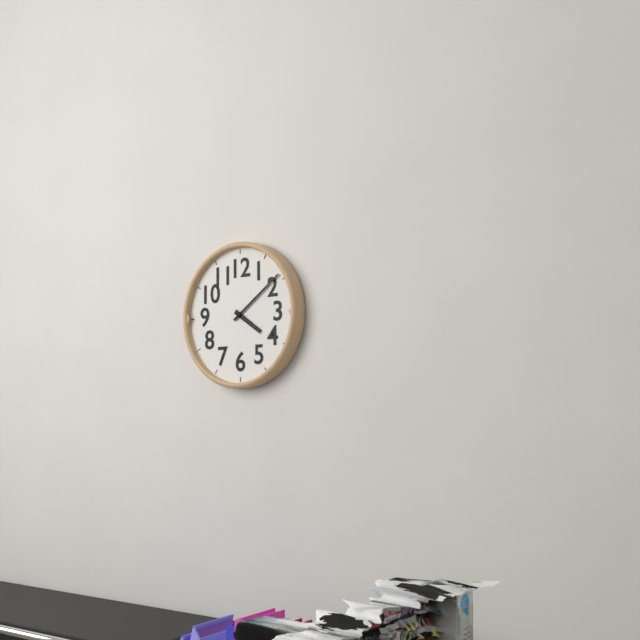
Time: {"hour": 4, "minute": 9}
